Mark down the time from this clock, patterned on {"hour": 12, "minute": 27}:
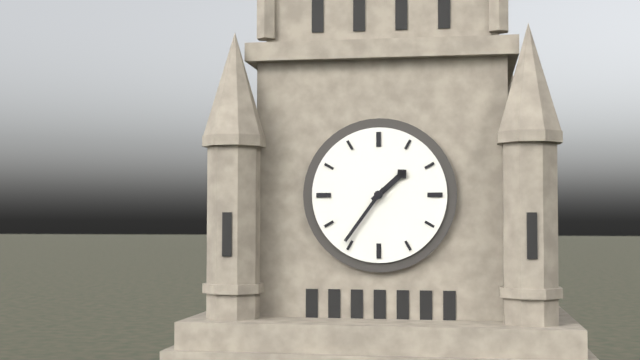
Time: {"hour": 1, "minute": 36}
